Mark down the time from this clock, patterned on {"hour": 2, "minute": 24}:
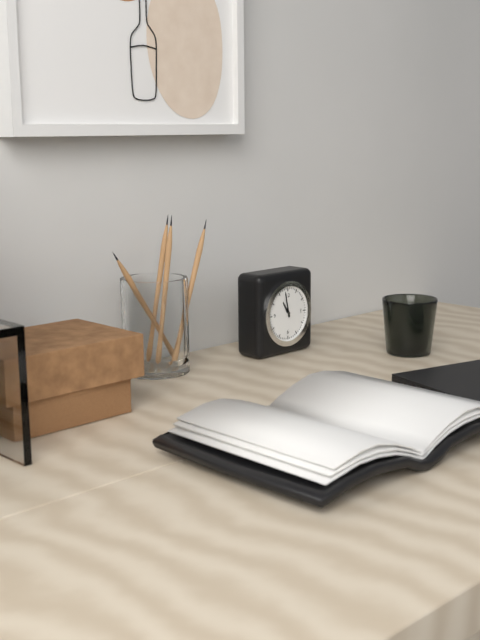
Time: {"hour": 10, "minute": 58}
